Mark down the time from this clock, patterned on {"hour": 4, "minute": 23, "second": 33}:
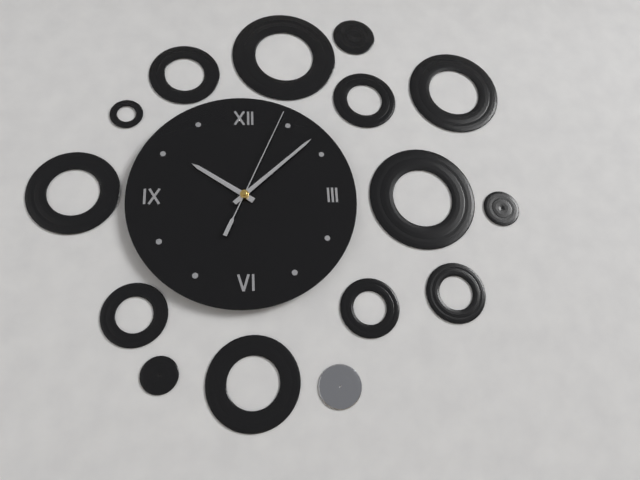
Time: {"hour": 10, "minute": 8, "second": 4}
